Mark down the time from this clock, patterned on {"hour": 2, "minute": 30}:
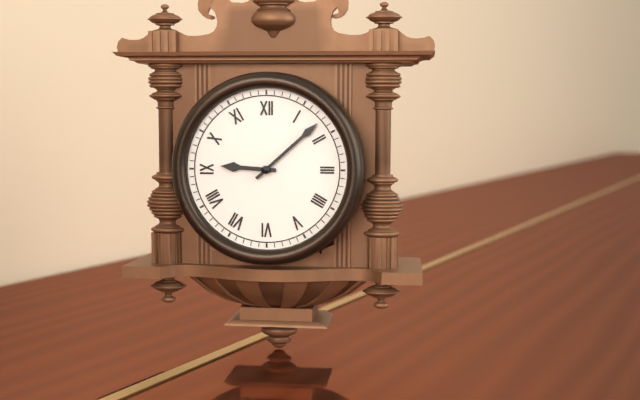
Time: {"hour": 9, "minute": 8}
